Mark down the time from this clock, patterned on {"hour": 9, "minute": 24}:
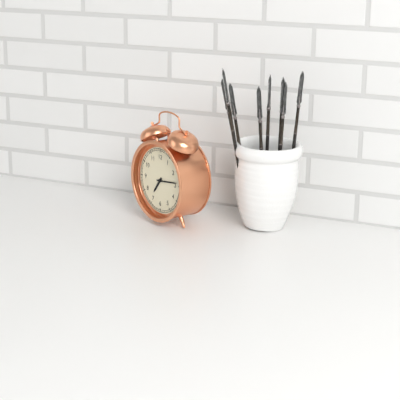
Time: {"hour": 7, "minute": 14}
